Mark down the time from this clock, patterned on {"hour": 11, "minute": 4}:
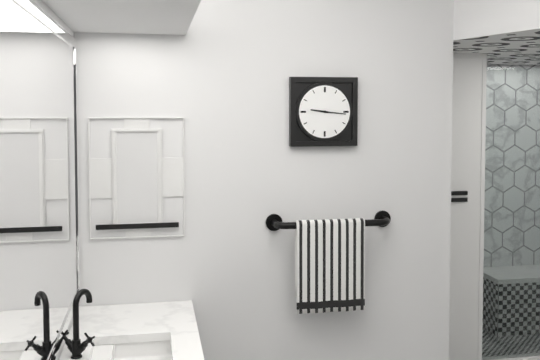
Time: {"hour": 9, "minute": 16}
